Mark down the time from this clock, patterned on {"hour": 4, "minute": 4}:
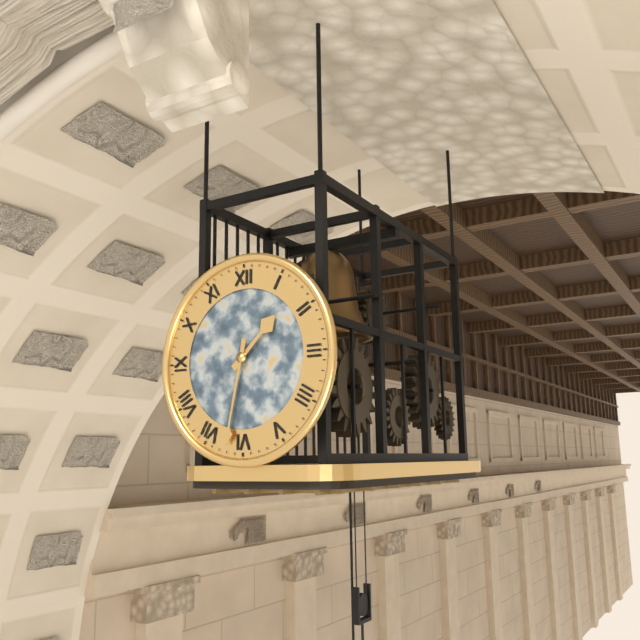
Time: {"hour": 1, "minute": 32}
